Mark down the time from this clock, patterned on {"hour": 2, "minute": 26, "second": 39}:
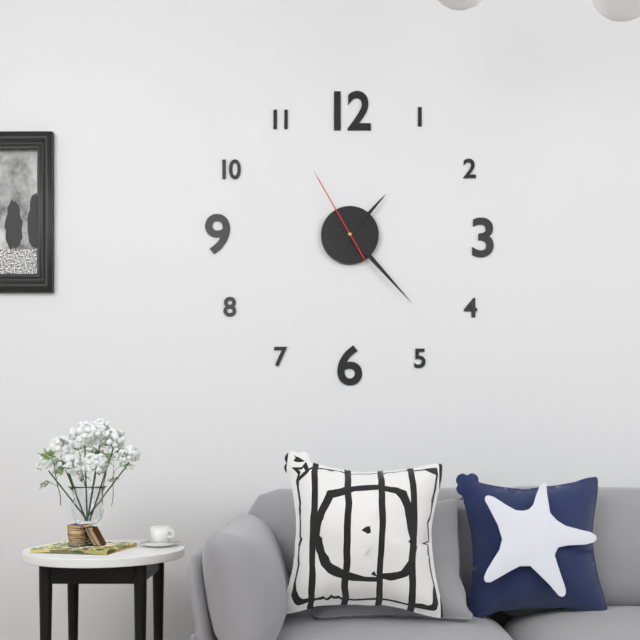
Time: {"hour": 1, "minute": 23, "second": 55}
